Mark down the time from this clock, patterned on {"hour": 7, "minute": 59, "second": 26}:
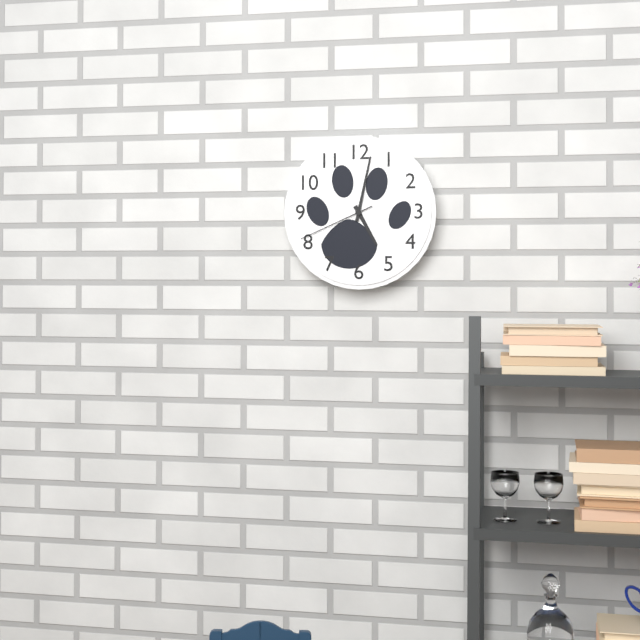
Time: {"hour": 5, "minute": 2, "second": 41}
